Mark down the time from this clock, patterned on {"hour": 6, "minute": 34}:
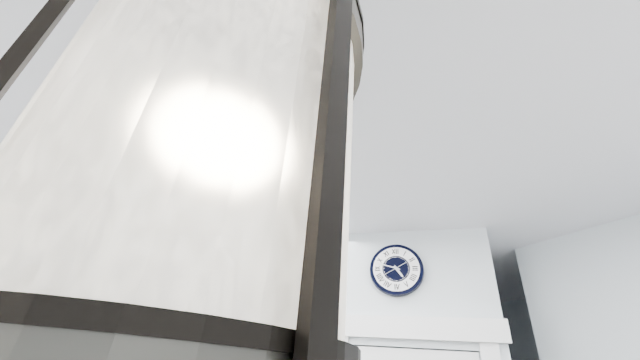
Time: {"hour": 4, "minute": 48}
